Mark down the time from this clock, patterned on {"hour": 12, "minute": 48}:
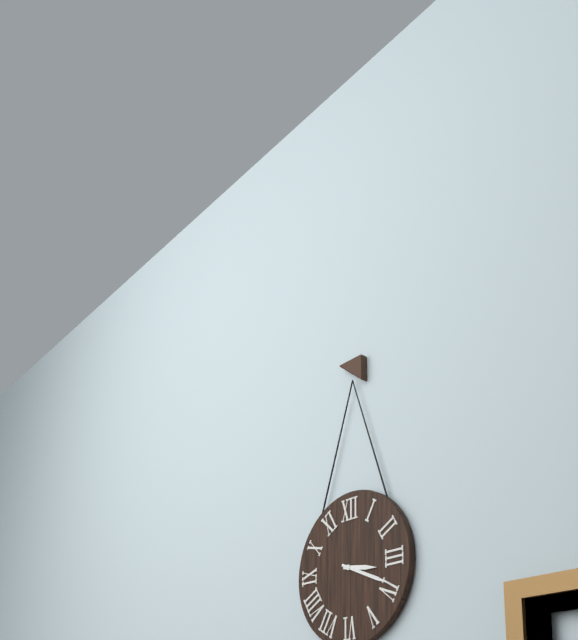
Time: {"hour": 3, "minute": 19}
